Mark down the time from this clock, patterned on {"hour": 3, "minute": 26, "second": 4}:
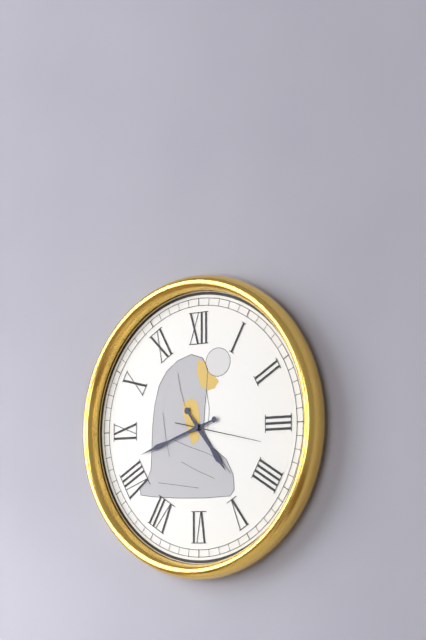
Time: {"hour": 4, "minute": 42, "second": 17}
